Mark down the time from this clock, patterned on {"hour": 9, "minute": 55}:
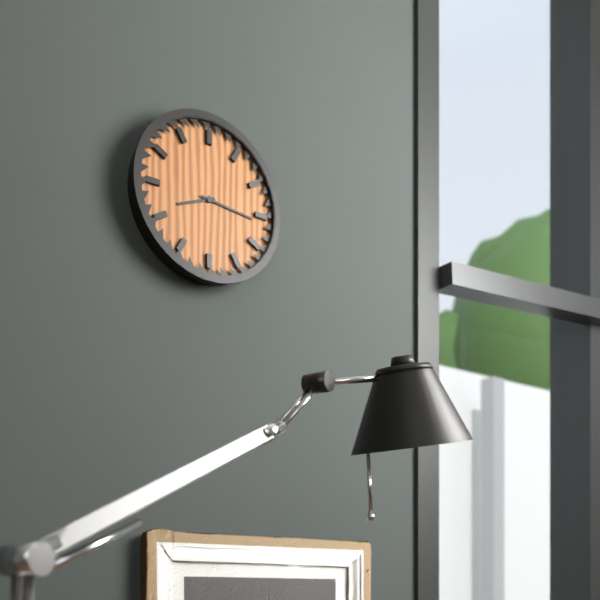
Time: {"hour": 8, "minute": 16}
